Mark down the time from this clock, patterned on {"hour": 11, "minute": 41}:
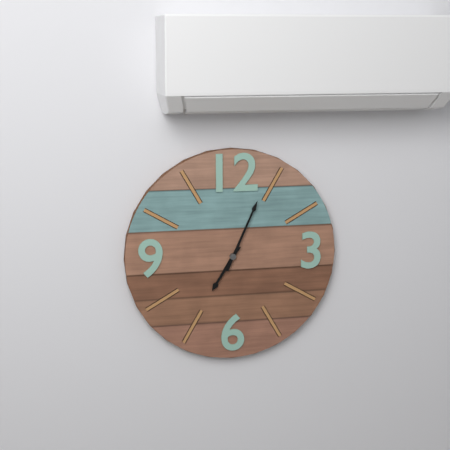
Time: {"hour": 7, "minute": 4}
